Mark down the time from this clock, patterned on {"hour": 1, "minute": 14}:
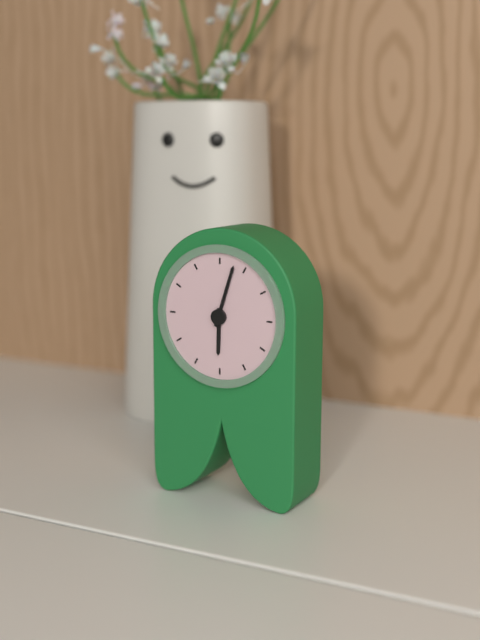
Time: {"hour": 6, "minute": 3}
